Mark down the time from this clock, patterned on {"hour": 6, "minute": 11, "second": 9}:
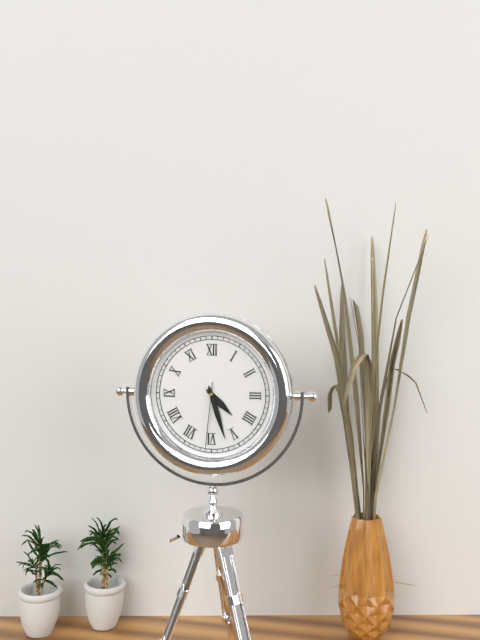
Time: {"hour": 4, "minute": 27, "second": 31}
